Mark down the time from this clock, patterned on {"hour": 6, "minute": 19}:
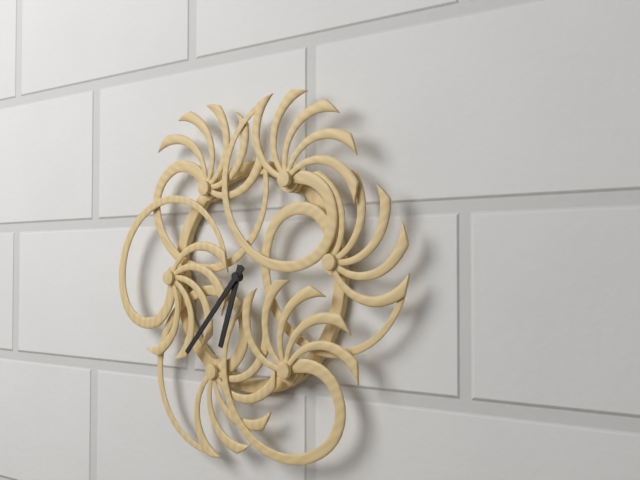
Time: {"hour": 6, "minute": 37}
